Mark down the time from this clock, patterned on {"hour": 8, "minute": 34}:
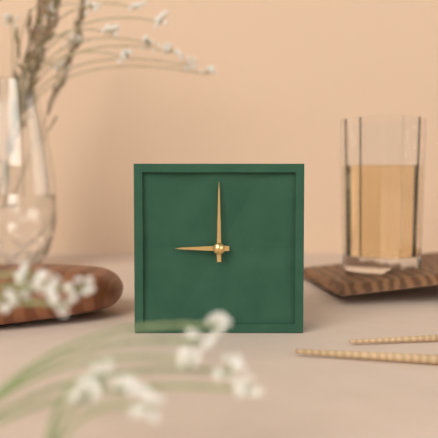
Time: {"hour": 9, "minute": 0}
